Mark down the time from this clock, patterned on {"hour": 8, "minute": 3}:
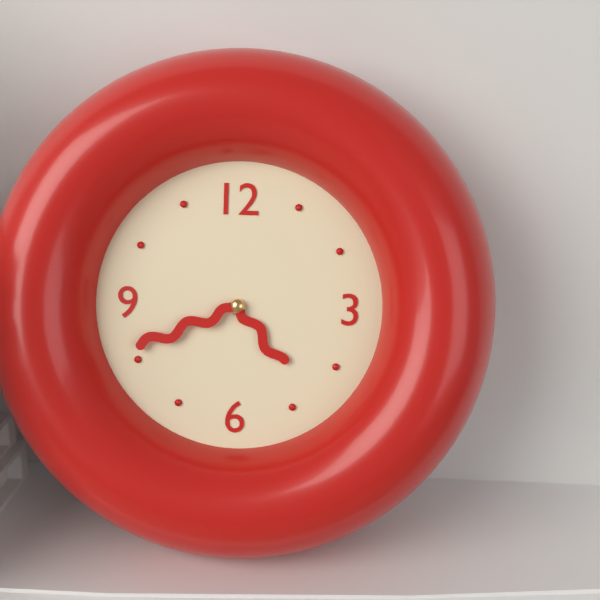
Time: {"hour": 4, "minute": 41}
